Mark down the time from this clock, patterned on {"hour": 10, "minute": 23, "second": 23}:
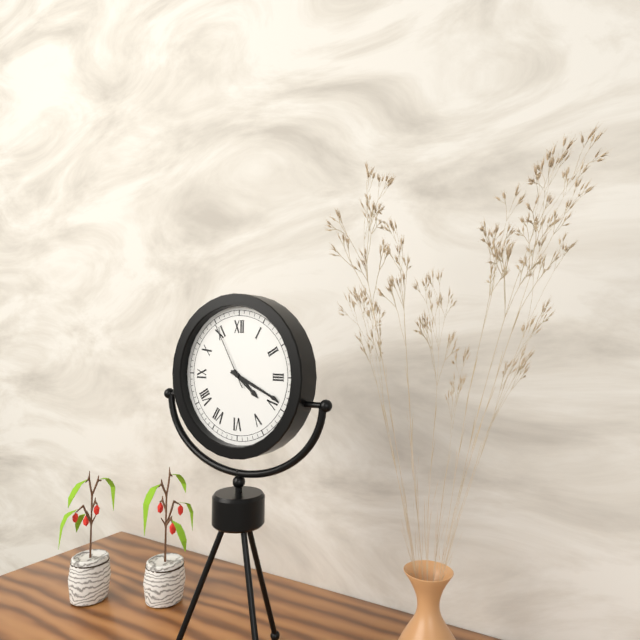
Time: {"hour": 4, "minute": 19, "second": 55}
